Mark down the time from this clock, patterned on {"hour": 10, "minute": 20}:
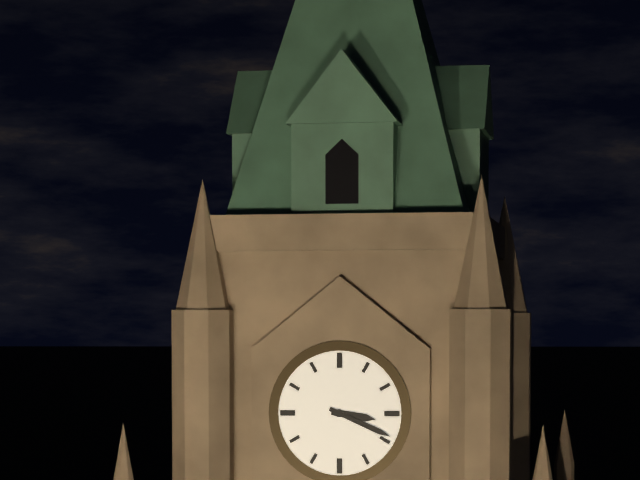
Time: {"hour": 3, "minute": 19}
